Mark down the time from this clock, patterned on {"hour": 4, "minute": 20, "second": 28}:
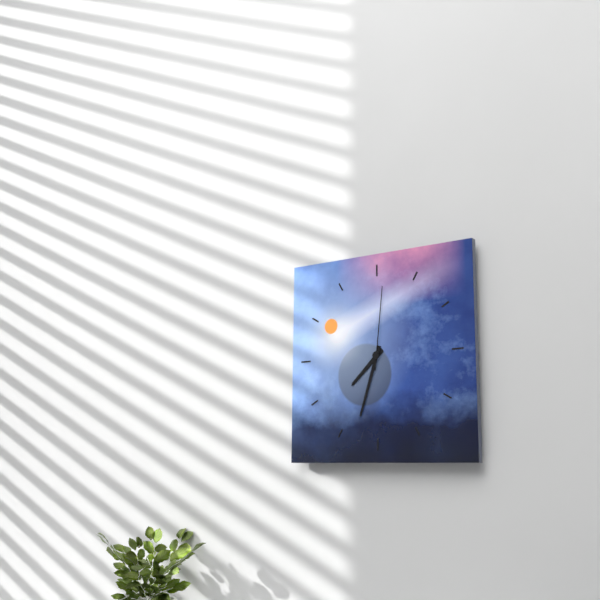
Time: {"hour": 7, "minute": 33, "second": 1}
